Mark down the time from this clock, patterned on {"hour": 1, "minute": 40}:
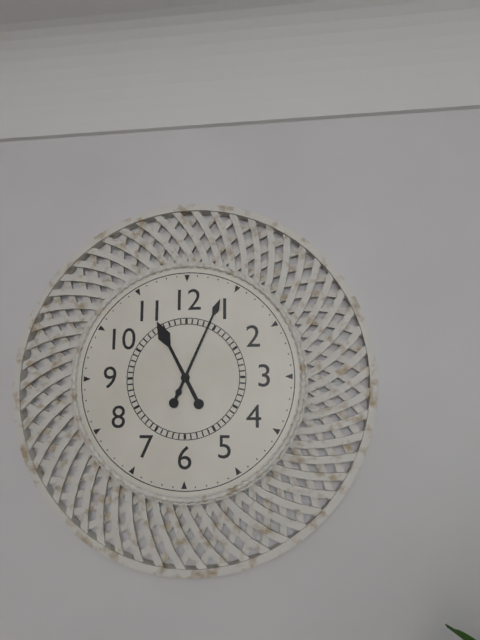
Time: {"hour": 11, "minute": 4}
